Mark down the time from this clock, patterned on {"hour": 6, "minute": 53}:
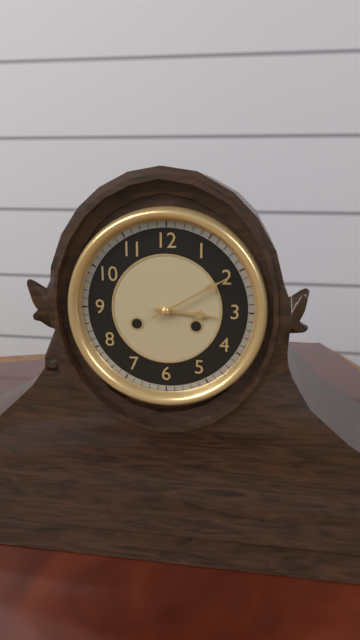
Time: {"hour": 3, "minute": 10}
